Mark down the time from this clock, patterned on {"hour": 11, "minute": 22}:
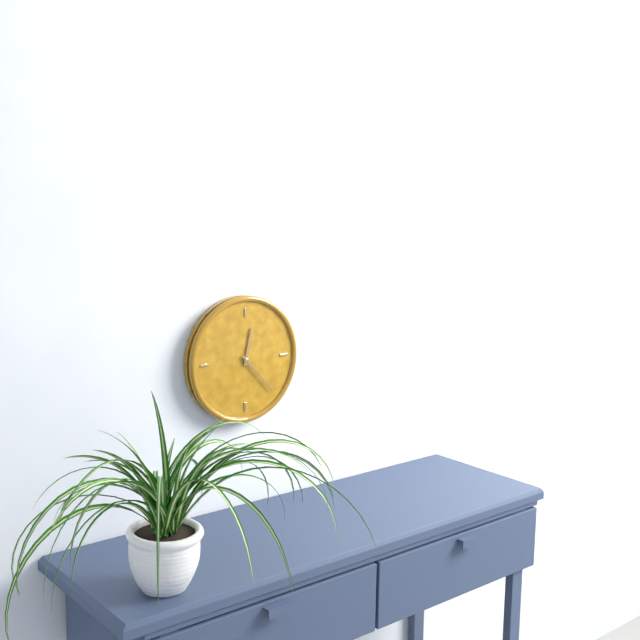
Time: {"hour": 12, "minute": 23}
